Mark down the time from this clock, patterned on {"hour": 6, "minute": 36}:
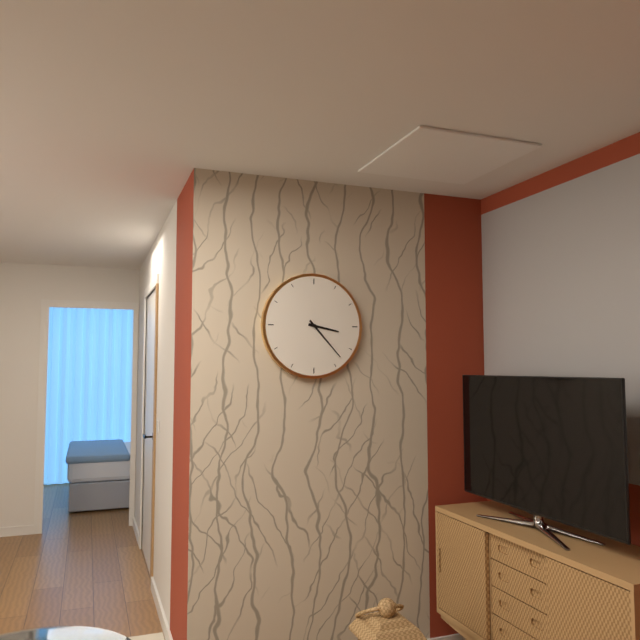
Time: {"hour": 3, "minute": 23}
